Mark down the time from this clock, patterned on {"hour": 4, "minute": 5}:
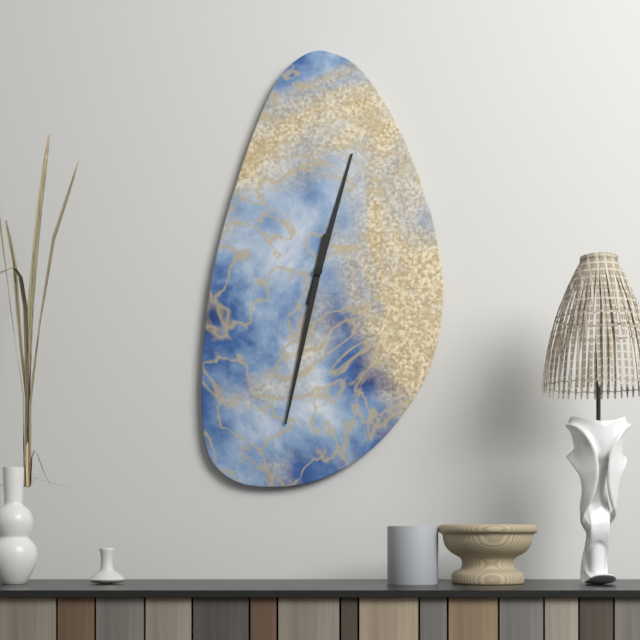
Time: {"hour": 12, "minute": 32}
